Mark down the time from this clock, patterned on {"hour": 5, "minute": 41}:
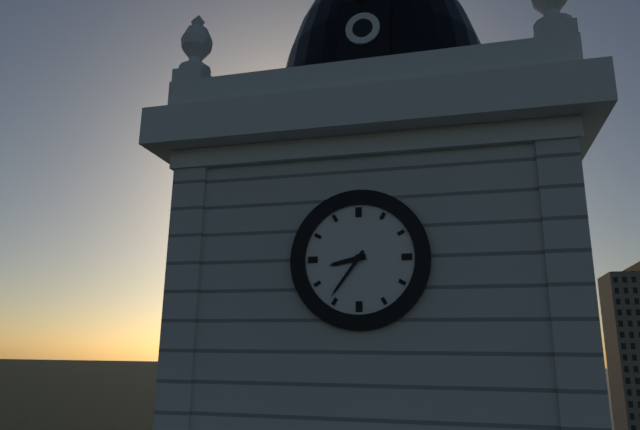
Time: {"hour": 8, "minute": 36}
